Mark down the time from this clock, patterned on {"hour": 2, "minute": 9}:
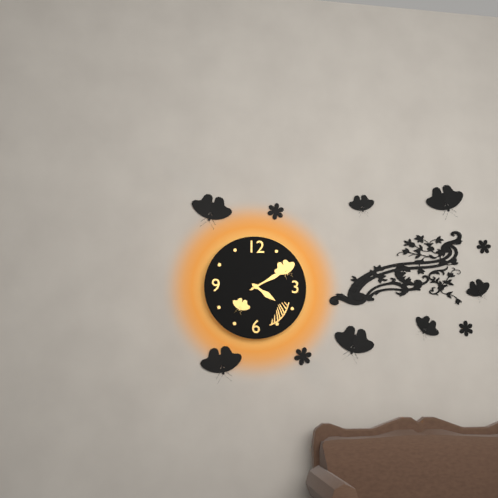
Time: {"hour": 4, "minute": 10}
